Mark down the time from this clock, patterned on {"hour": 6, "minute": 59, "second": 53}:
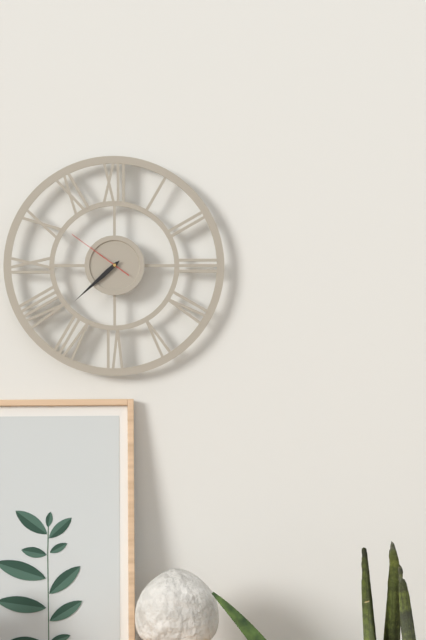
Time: {"hour": 7, "minute": 38, "second": 51}
